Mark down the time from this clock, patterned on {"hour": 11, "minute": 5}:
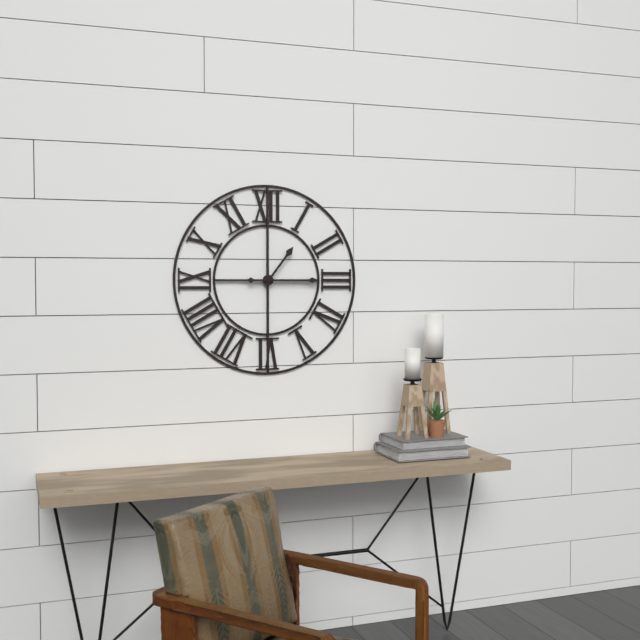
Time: {"hour": 1, "minute": 15}
